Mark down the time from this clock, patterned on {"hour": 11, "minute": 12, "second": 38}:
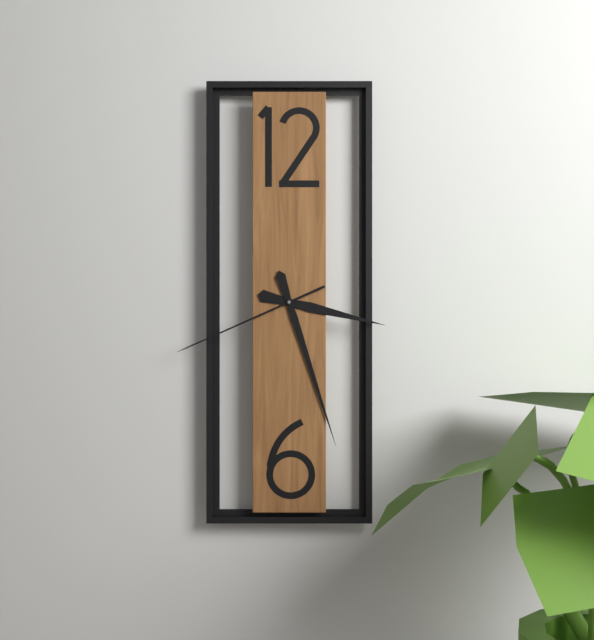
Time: {"hour": 3, "minute": 27, "second": 41}
